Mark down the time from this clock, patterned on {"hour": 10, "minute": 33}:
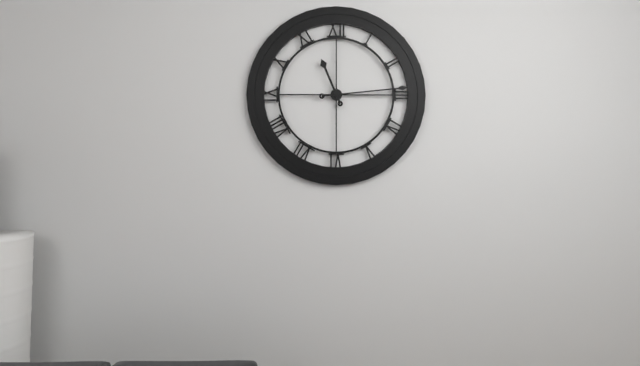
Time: {"hour": 11, "minute": 14}
